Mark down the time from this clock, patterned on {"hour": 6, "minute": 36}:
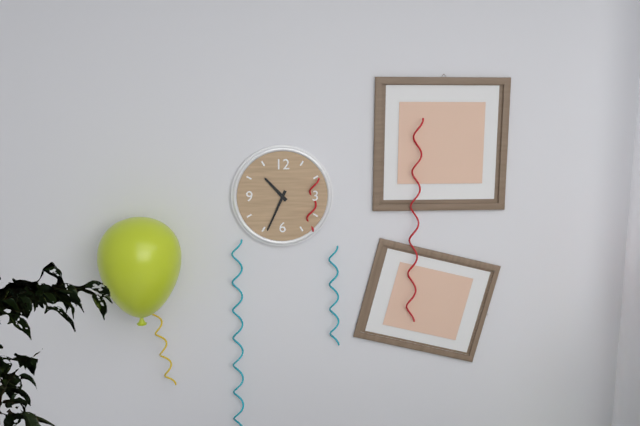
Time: {"hour": 10, "minute": 34}
